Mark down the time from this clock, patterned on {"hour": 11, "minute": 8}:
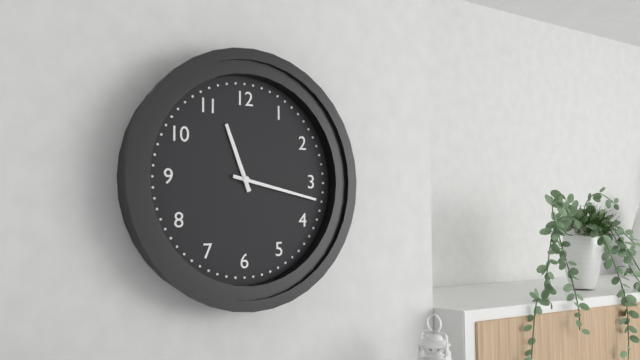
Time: {"hour": 11, "minute": 17}
